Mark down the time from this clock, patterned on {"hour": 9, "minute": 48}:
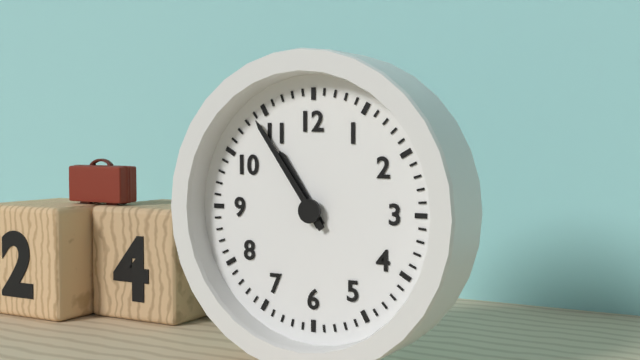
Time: {"hour": 10, "minute": 54}
